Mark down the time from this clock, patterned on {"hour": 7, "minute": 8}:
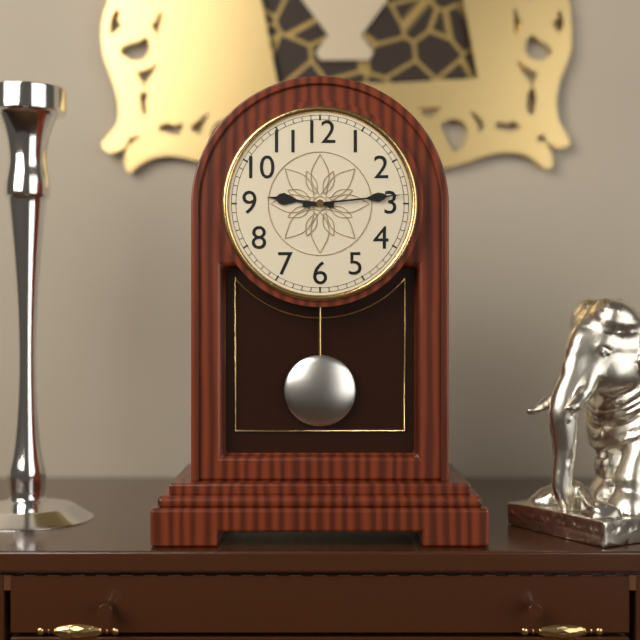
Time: {"hour": 9, "minute": 14}
